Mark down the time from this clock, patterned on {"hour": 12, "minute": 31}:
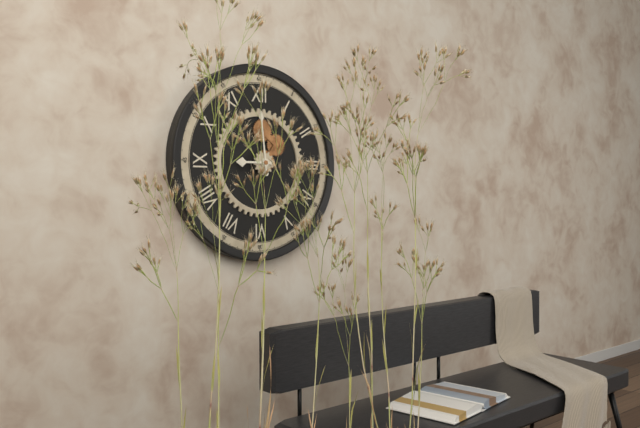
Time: {"hour": 8, "minute": 59}
